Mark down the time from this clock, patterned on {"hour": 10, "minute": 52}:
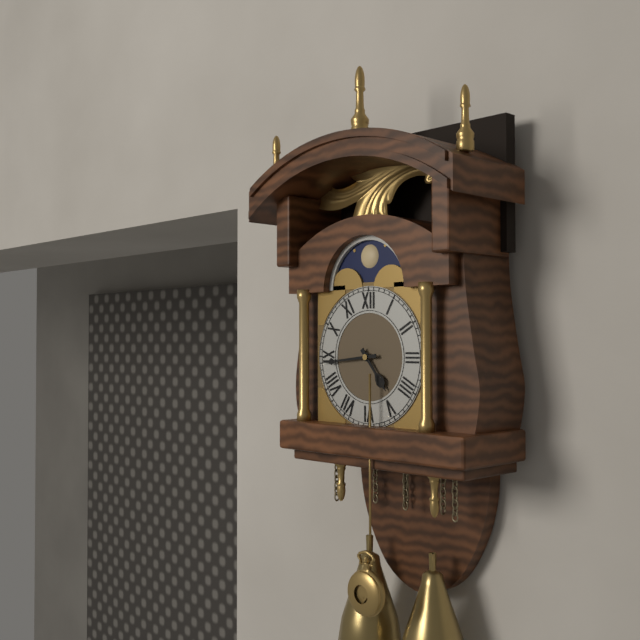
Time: {"hour": 4, "minute": 44}
